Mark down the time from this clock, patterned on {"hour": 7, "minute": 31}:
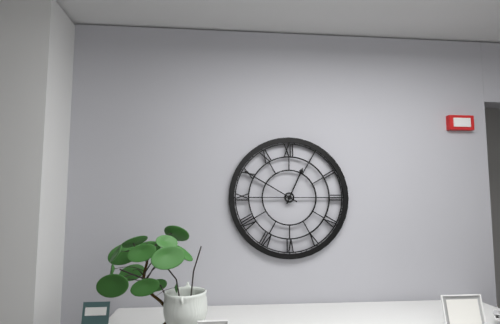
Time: {"hour": 12, "minute": 50}
